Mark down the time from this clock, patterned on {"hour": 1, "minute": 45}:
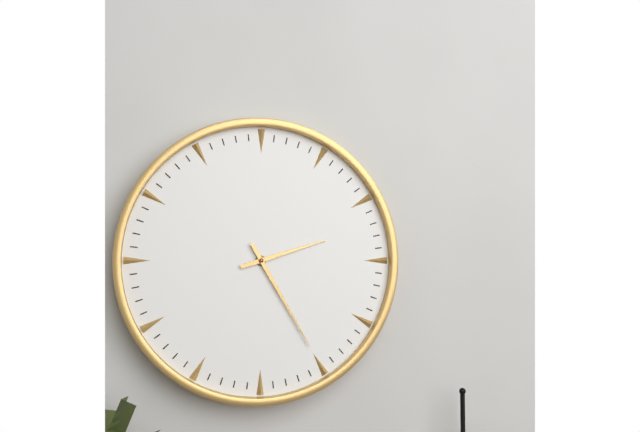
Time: {"hour": 2, "minute": 25}
